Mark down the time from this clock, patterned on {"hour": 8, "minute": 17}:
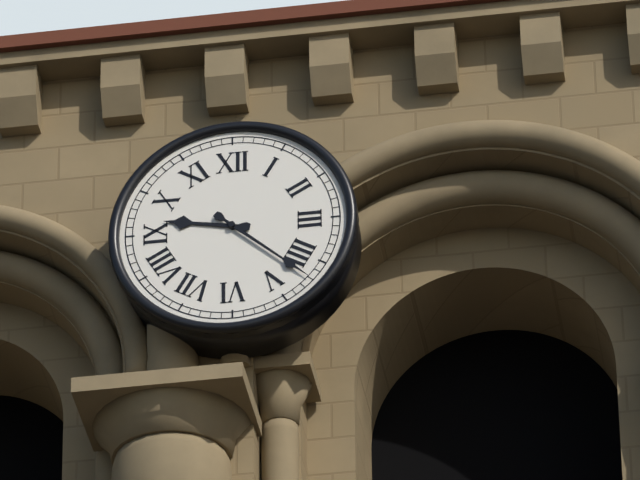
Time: {"hour": 9, "minute": 22}
